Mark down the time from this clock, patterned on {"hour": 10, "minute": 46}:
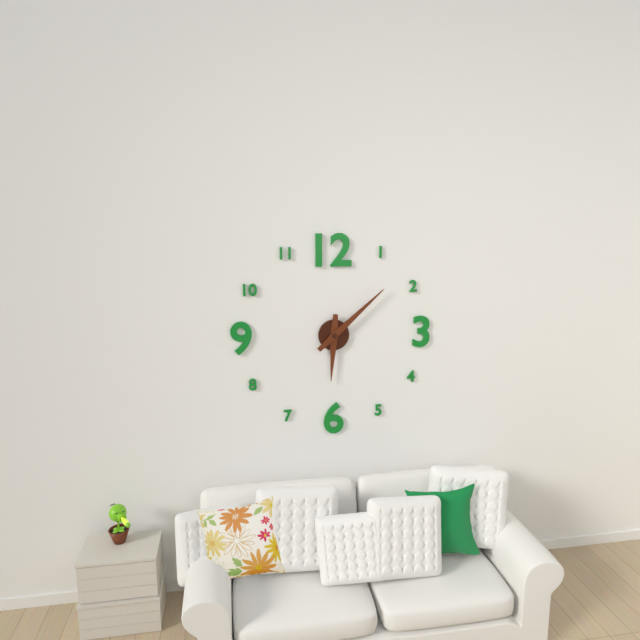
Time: {"hour": 6, "minute": 8}
